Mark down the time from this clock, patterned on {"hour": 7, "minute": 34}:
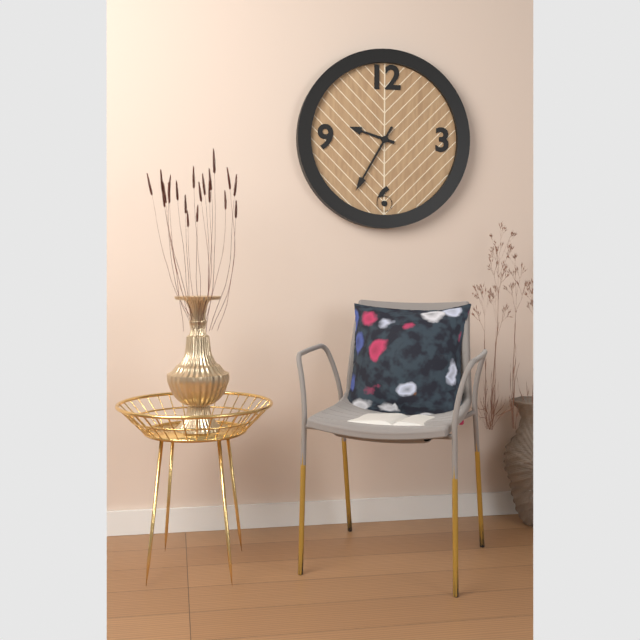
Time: {"hour": 9, "minute": 35}
